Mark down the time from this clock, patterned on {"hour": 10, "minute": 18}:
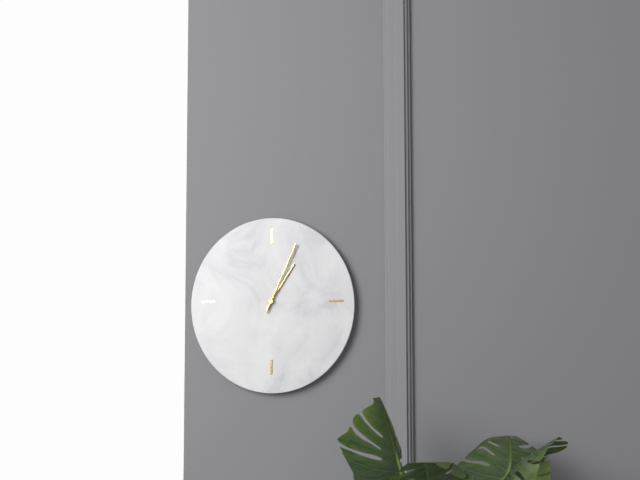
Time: {"hour": 1, "minute": 4}
